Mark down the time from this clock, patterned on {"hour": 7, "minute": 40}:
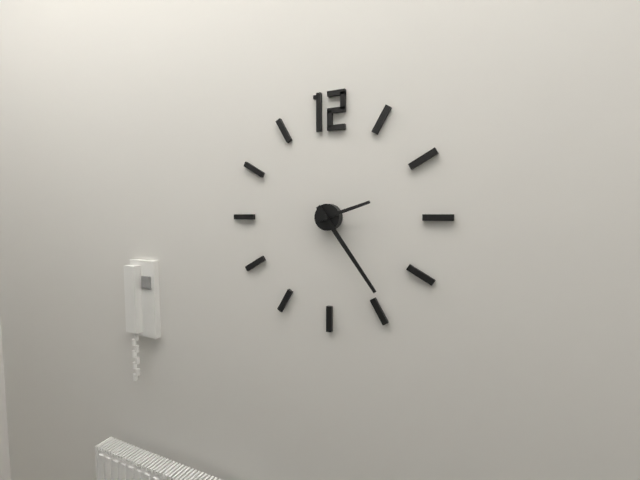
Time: {"hour": 2, "minute": 24}
